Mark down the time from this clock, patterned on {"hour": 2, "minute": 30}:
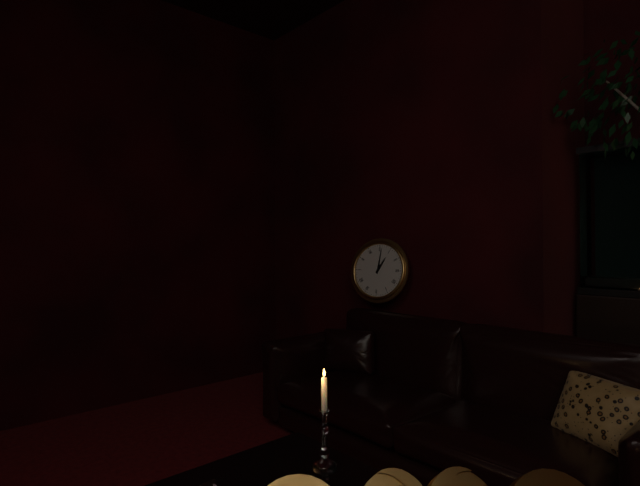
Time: {"hour": 1, "minute": 1}
